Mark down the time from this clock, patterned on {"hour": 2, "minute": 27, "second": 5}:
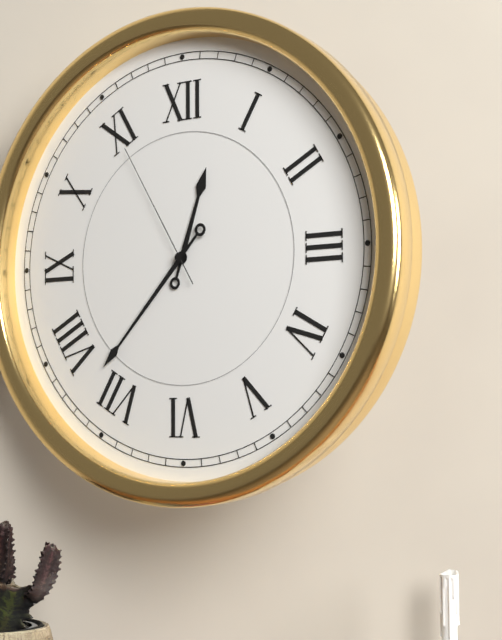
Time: {"hour": 12, "minute": 37, "second": 55}
